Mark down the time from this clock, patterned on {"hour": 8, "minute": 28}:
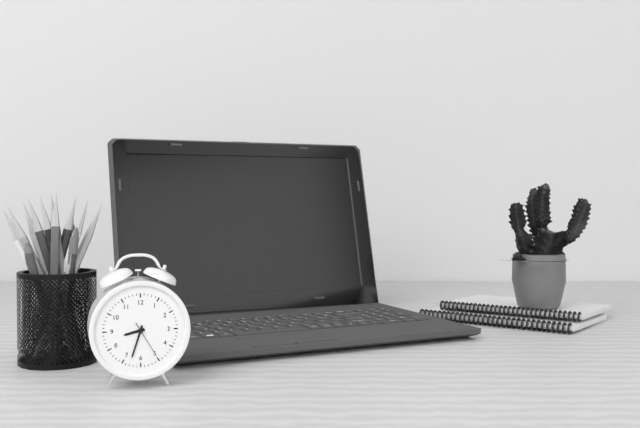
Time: {"hour": 8, "minute": 33}
